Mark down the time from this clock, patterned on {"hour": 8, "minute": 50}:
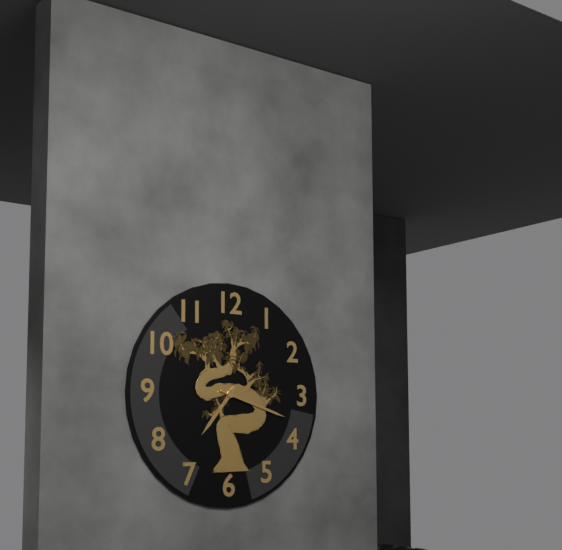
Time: {"hour": 7, "minute": 18}
